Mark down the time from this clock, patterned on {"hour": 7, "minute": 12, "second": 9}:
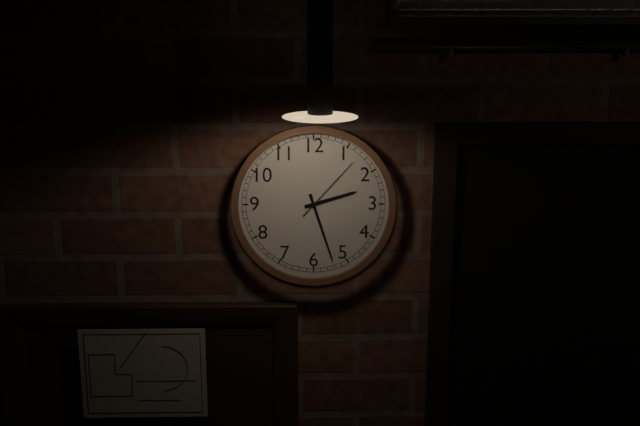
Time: {"hour": 2, "minute": 27, "second": 7}
